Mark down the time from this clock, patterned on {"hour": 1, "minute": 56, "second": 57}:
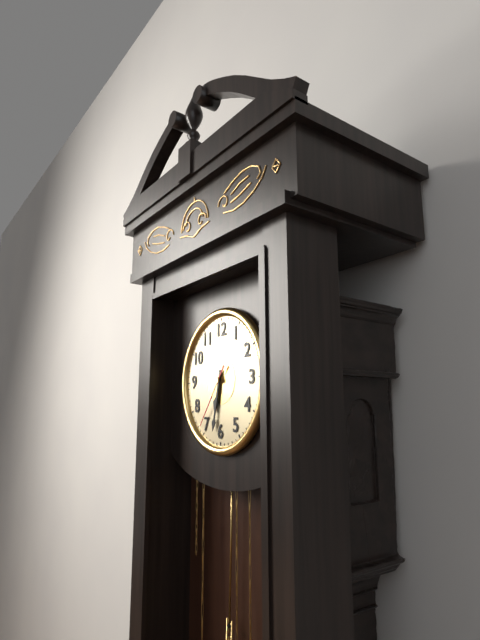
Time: {"hour": 6, "minute": 32, "second": 36}
